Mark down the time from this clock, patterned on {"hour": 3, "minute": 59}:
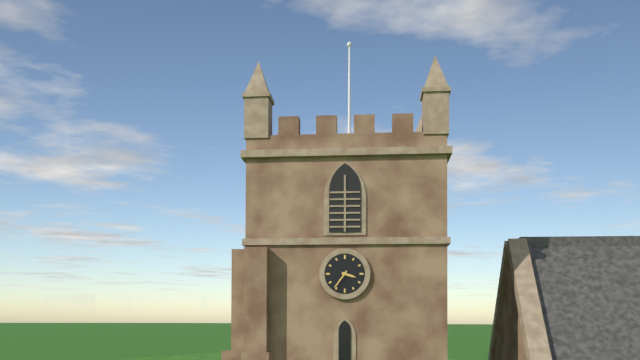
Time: {"hour": 3, "minute": 36}
